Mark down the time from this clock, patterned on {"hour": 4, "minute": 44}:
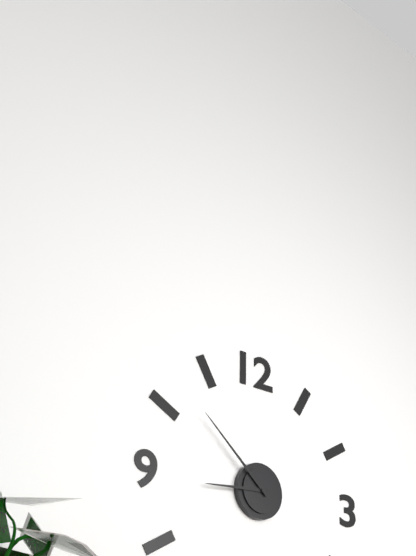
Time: {"hour": 8, "minute": 52}
